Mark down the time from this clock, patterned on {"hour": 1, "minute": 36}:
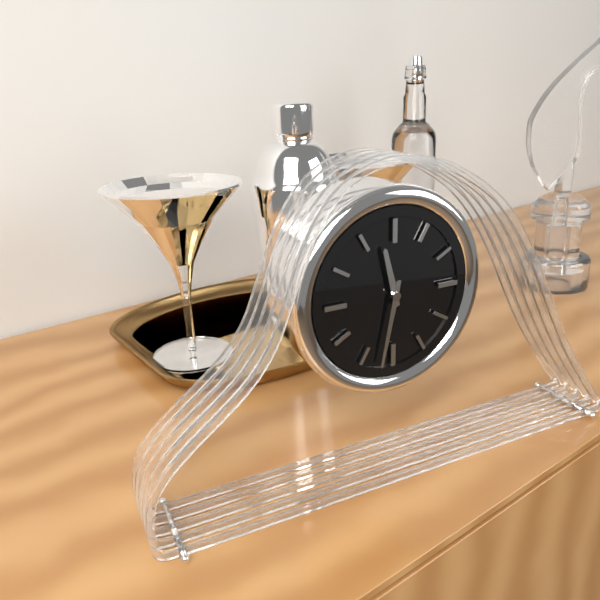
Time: {"hour": 11, "minute": 32}
